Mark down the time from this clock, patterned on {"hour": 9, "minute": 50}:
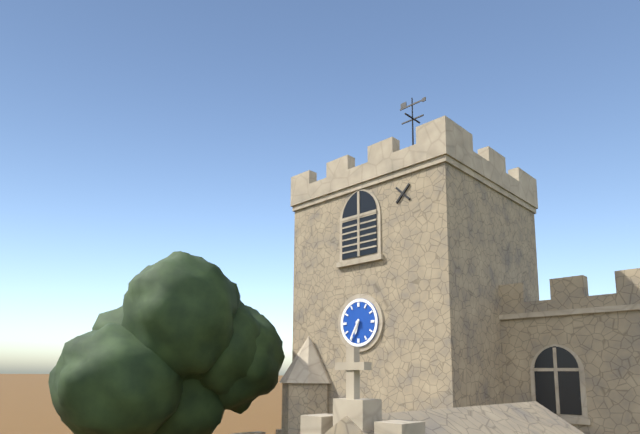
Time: {"hour": 6, "minute": 35}
